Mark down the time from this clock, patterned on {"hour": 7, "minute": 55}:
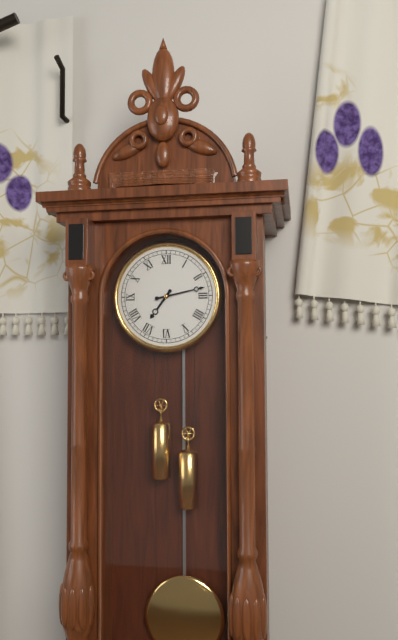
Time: {"hour": 7, "minute": 13}
